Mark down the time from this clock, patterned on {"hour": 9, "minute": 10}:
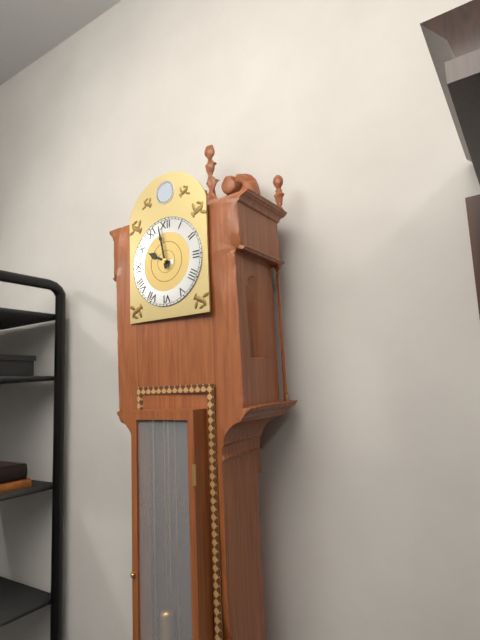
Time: {"hour": 9, "minute": 58}
